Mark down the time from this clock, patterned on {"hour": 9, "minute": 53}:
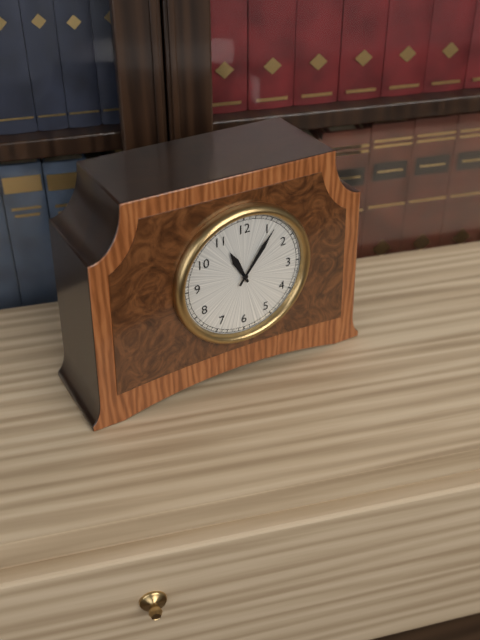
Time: {"hour": 11, "minute": 6}
